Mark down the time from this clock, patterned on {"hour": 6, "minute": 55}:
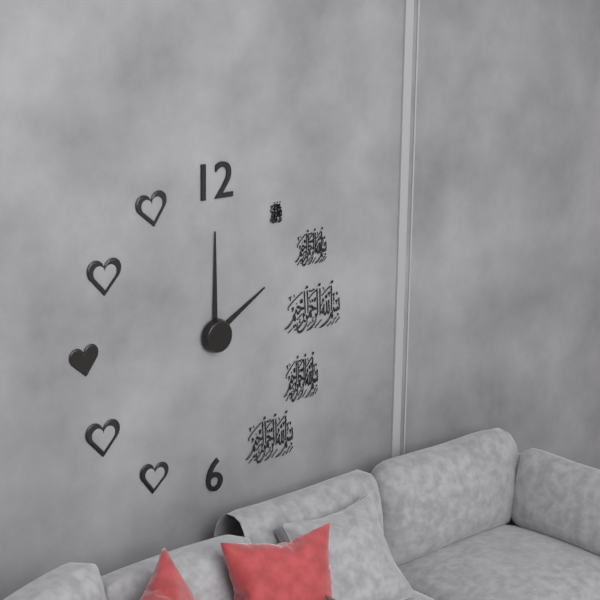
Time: {"hour": 2, "minute": 0}
